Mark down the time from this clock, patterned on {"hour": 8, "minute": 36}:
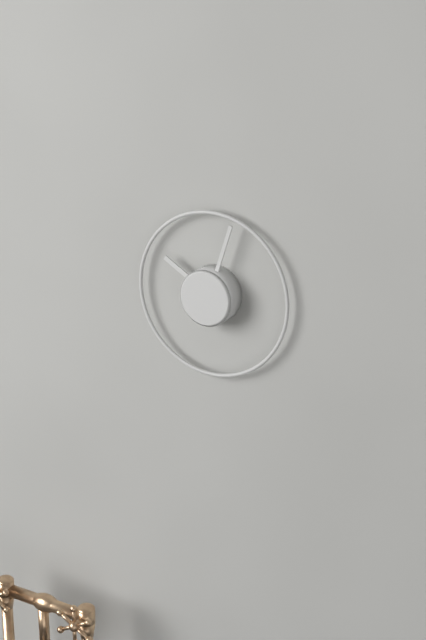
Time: {"hour": 10, "minute": 3}
